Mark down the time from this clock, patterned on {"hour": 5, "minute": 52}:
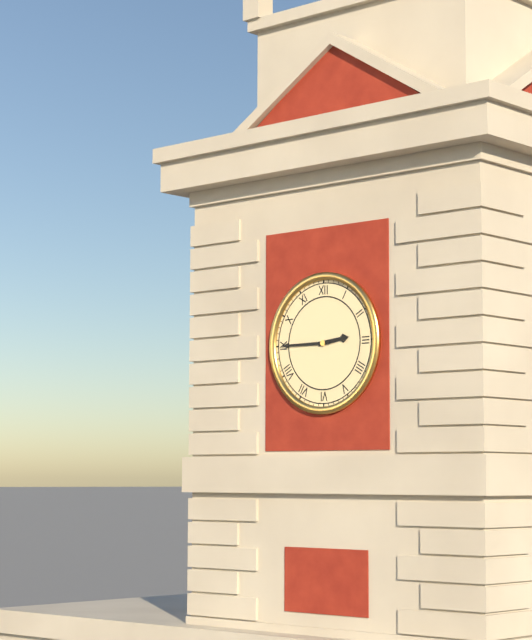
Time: {"hour": 2, "minute": 45}
